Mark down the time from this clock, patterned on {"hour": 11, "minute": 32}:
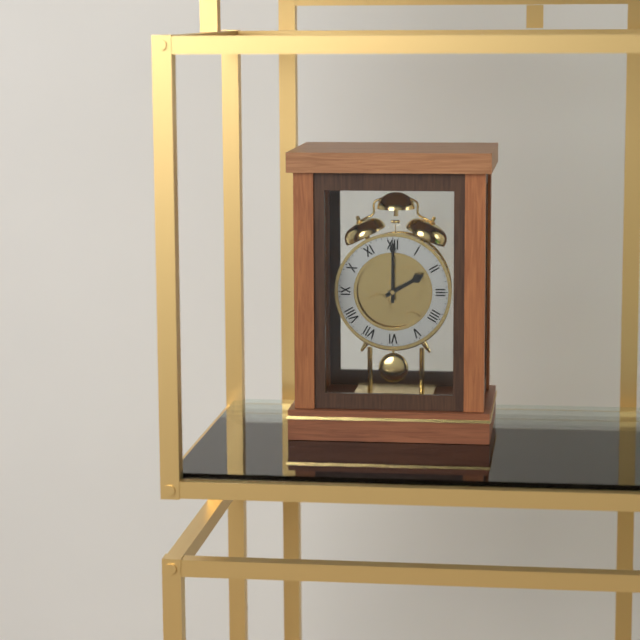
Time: {"hour": 2, "minute": 0}
